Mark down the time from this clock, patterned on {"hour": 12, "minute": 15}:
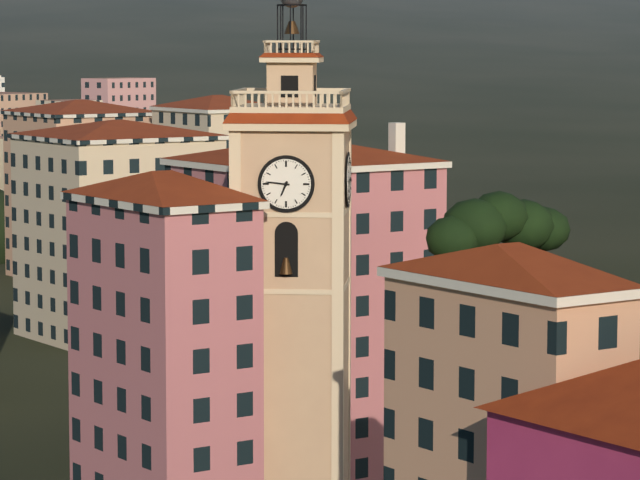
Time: {"hour": 6, "minute": 46}
